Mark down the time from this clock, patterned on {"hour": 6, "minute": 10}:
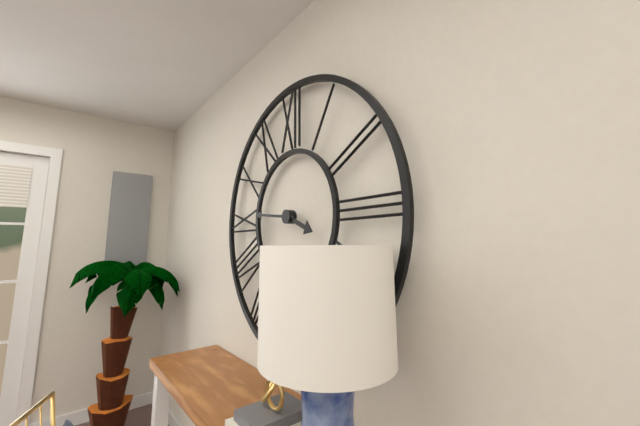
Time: {"hour": 3, "minute": 46}
